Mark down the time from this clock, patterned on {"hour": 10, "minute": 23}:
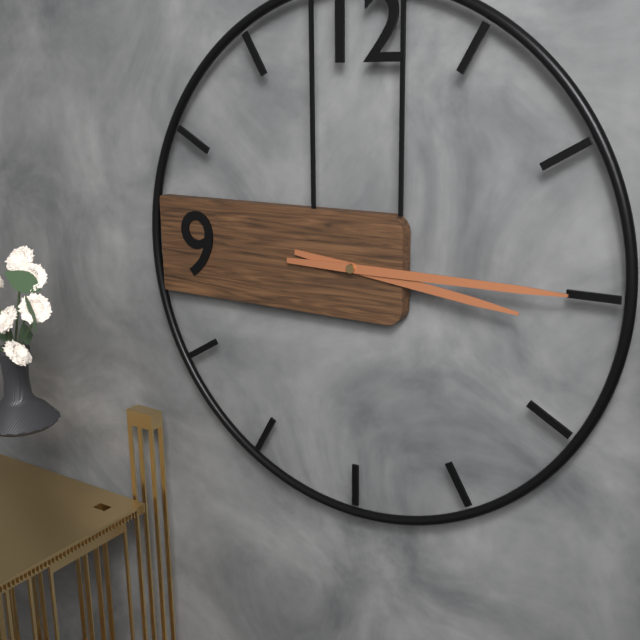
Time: {"hour": 3, "minute": 15}
